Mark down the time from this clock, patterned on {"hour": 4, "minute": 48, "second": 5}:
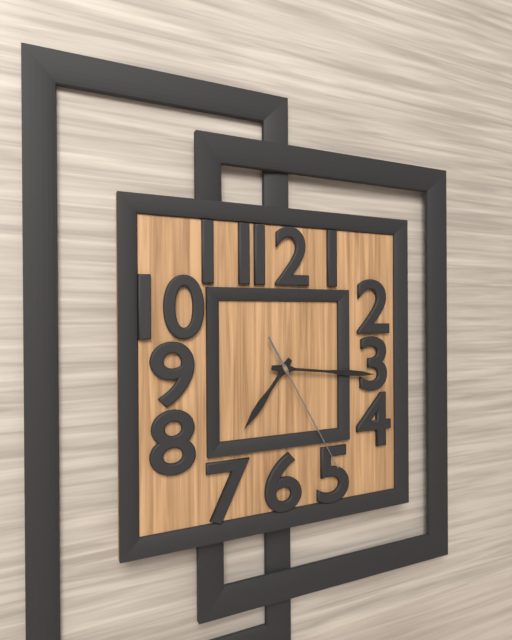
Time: {"hour": 7, "minute": 16, "second": 25}
